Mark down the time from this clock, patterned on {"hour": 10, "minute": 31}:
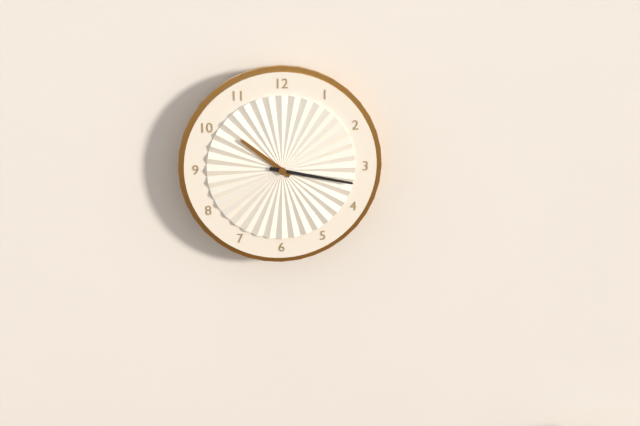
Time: {"hour": 10, "minute": 17}
